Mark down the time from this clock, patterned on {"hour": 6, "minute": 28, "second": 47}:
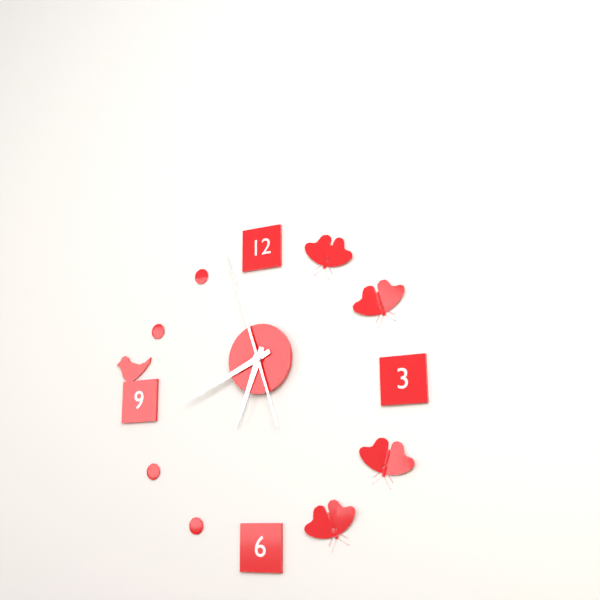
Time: {"hour": 6, "minute": 41, "second": 57}
